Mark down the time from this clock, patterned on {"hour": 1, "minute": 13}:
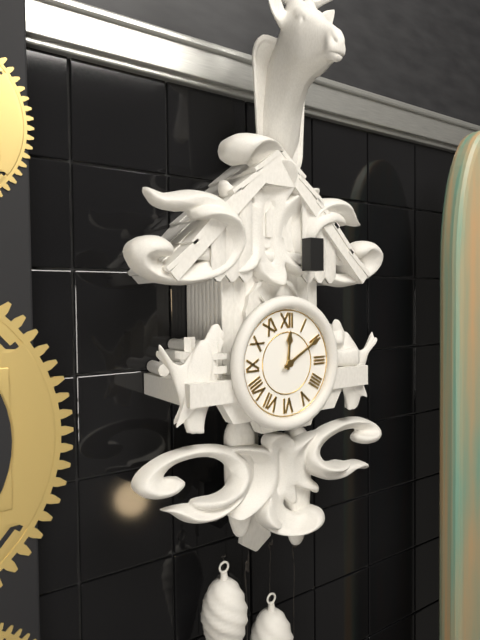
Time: {"hour": 12, "minute": 10}
